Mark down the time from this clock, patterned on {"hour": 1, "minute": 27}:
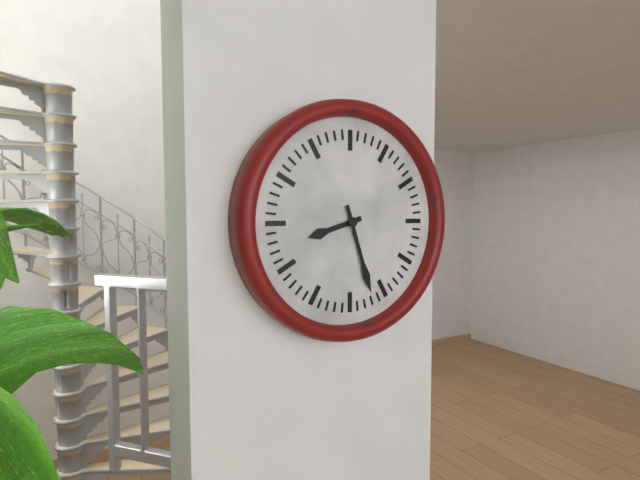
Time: {"hour": 8, "minute": 27}
